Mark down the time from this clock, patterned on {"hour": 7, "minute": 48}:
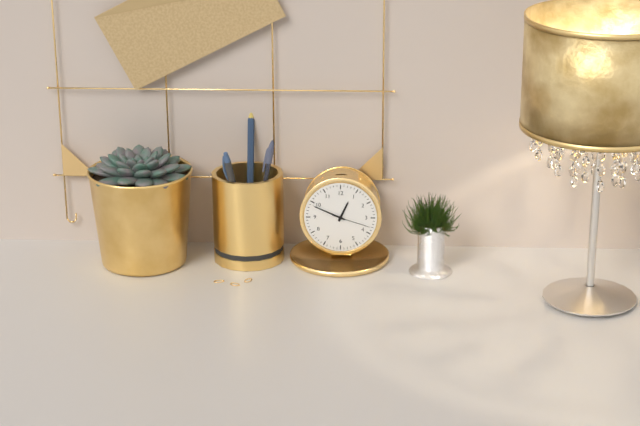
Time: {"hour": 12, "minute": 49}
